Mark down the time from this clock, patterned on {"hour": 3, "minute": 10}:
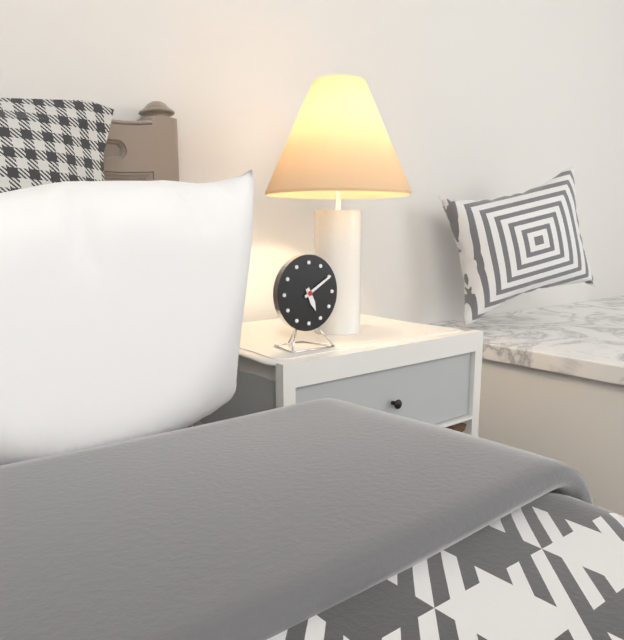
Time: {"hour": 5, "minute": 10}
